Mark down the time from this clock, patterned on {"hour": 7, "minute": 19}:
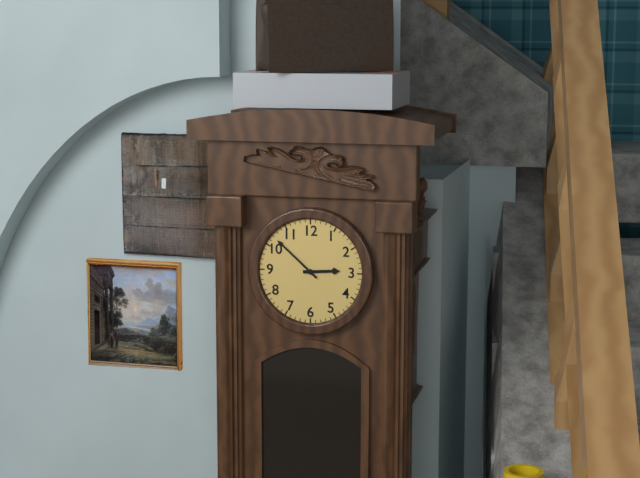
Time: {"hour": 2, "minute": 52}
